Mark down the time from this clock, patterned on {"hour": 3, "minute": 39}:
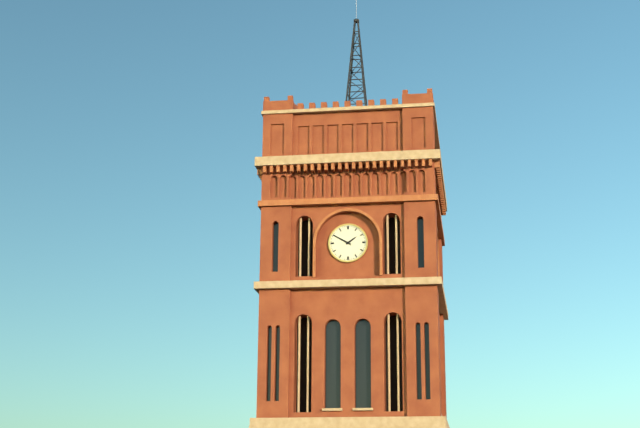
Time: {"hour": 1, "minute": 50}
